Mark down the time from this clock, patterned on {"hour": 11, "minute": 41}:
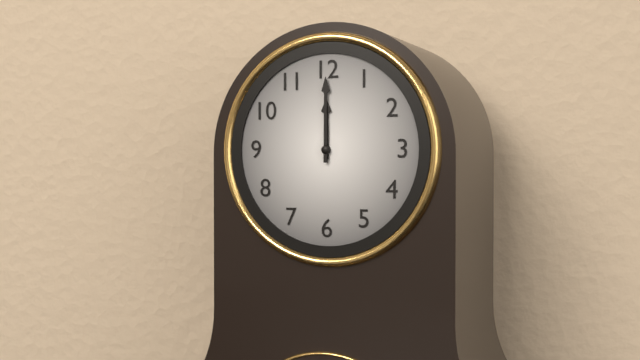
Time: {"hour": 12, "minute": 0}
